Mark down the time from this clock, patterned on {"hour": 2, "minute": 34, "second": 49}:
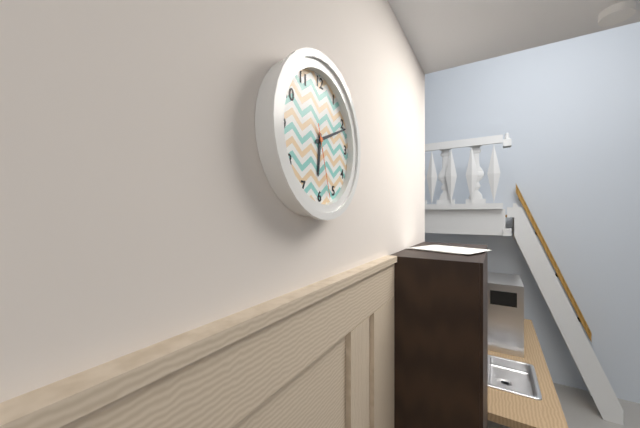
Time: {"hour": 6, "minute": 11, "second": 27}
